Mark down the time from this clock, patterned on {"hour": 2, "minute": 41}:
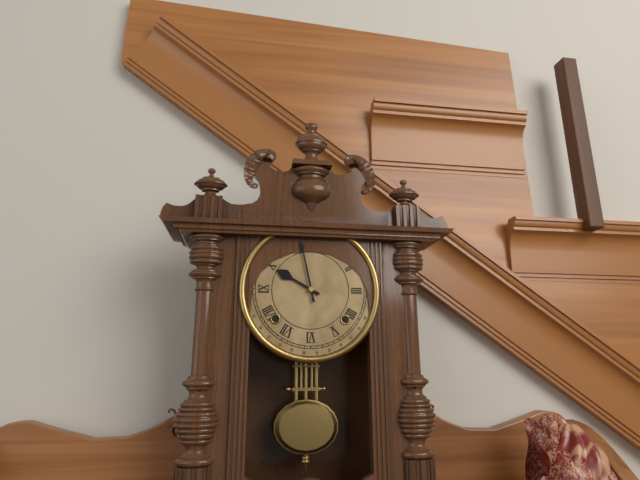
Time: {"hour": 9, "minute": 58}
